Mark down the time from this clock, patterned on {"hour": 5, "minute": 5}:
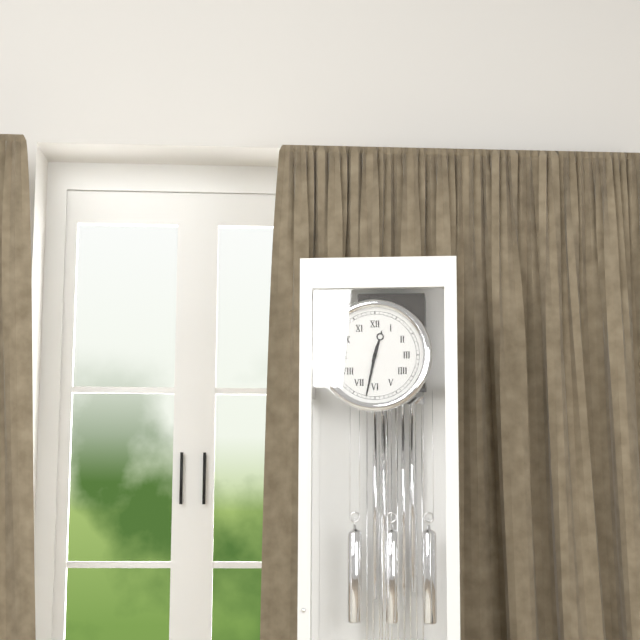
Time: {"hour": 12, "minute": 32}
